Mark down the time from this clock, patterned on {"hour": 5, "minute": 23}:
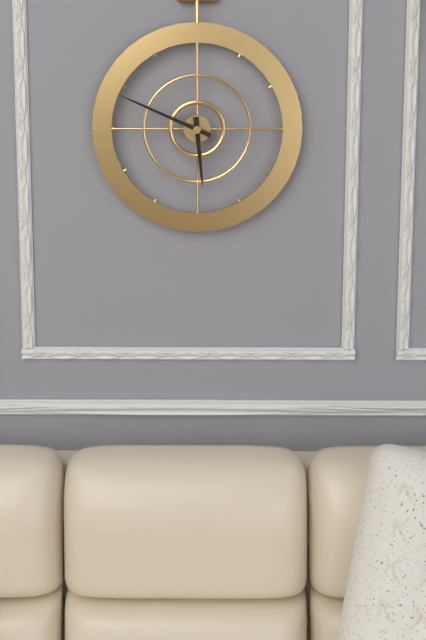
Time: {"hour": 5, "minute": 49}
